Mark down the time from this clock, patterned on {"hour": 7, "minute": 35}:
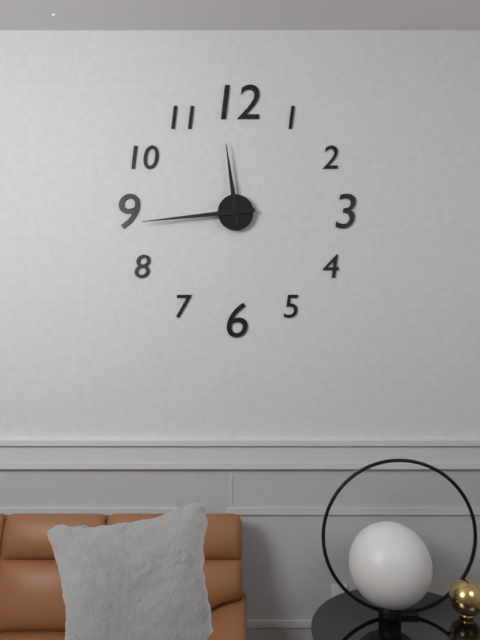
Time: {"hour": 11, "minute": 44}
